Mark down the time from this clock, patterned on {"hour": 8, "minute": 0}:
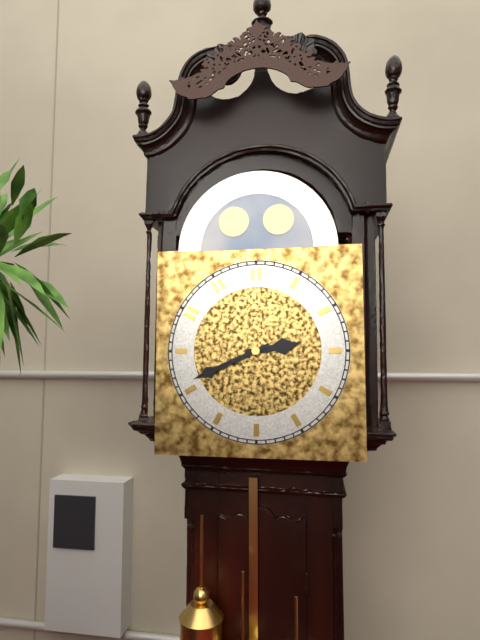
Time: {"hour": 2, "minute": 41}
